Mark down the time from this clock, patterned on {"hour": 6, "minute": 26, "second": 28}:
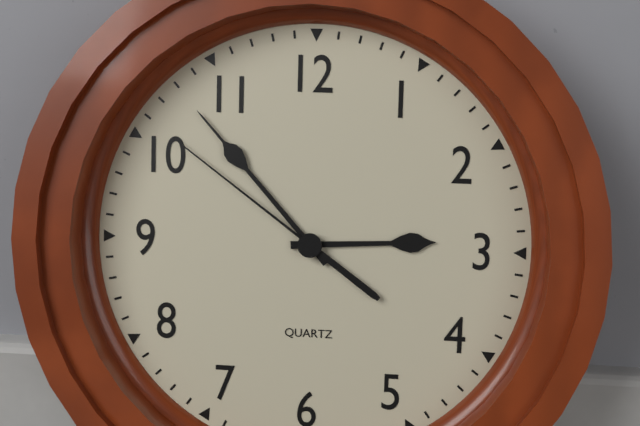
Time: {"hour": 2, "minute": 53, "second": 51}
